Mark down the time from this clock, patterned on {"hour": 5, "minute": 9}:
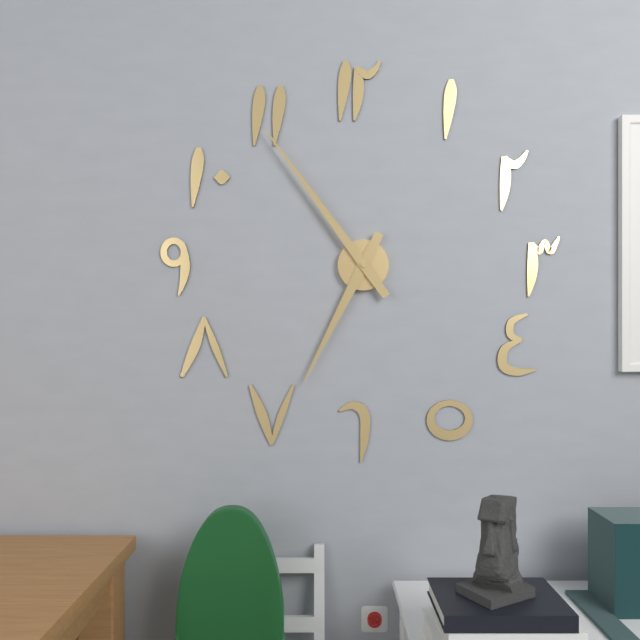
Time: {"hour": 6, "minute": 54}
